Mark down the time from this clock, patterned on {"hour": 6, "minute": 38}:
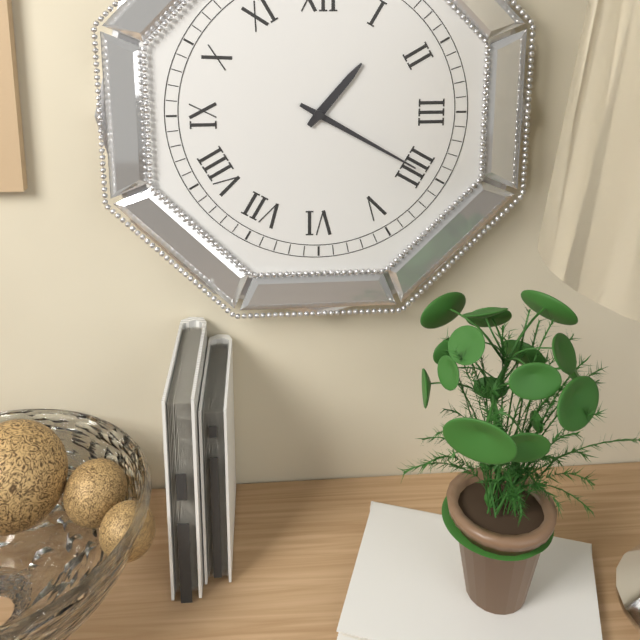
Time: {"hour": 1, "minute": 20}
